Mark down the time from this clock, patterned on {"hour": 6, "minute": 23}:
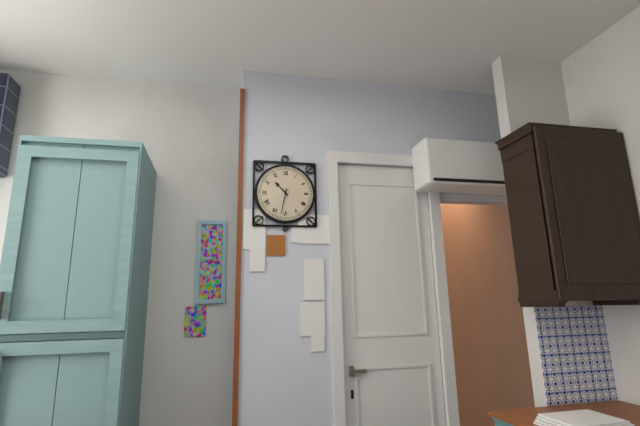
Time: {"hour": 10, "minute": 32}
